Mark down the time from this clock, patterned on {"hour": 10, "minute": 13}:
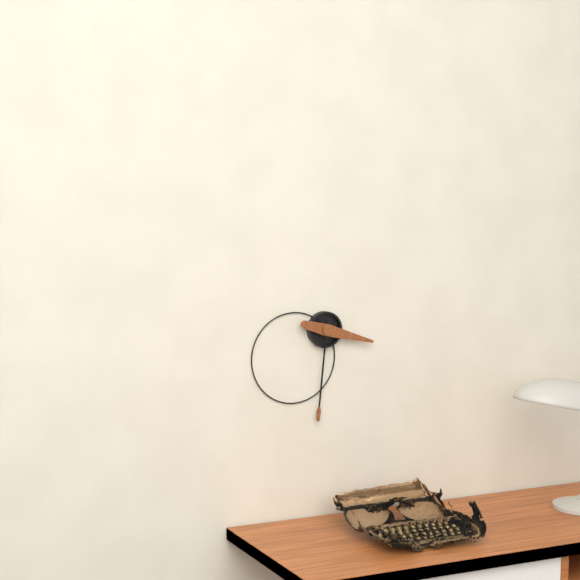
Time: {"hour": 3, "minute": 31}
